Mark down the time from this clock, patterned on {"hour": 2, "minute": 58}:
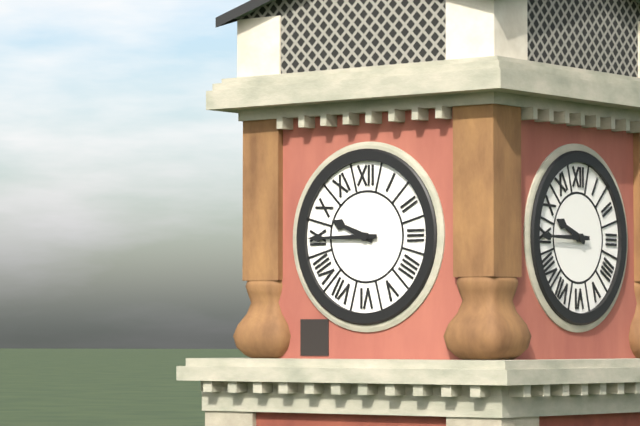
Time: {"hour": 9, "minute": 45}
